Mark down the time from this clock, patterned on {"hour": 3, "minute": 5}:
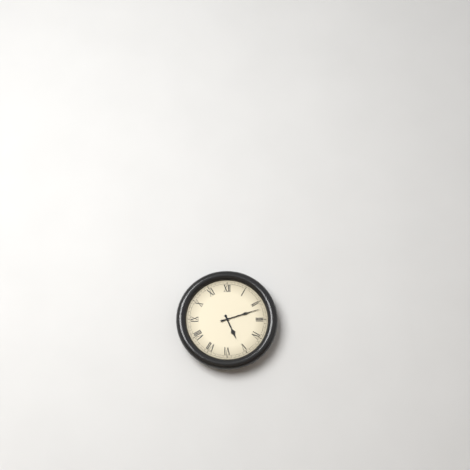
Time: {"hour": 5, "minute": 12}
